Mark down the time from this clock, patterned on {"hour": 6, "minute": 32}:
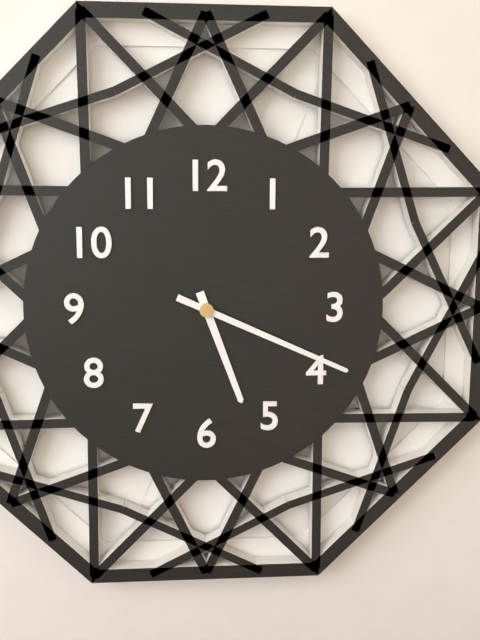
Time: {"hour": 5, "minute": 19}
